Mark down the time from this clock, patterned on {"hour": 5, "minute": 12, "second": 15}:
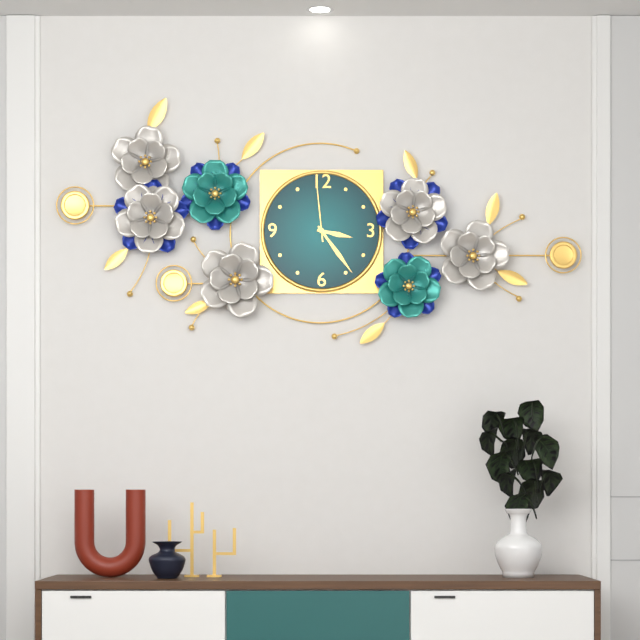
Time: {"hour": 3, "minute": 24, "second": 59}
